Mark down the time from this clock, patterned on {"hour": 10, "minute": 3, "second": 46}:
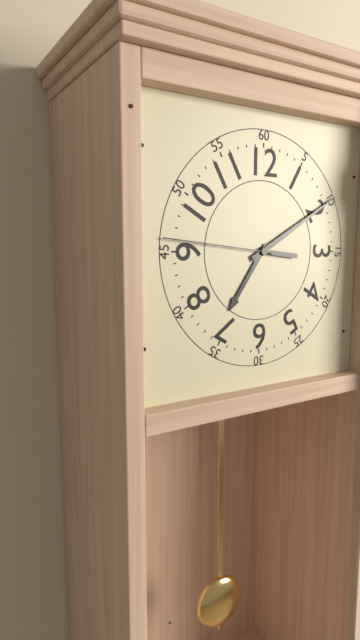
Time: {"hour": 7, "minute": 10, "second": 46}
